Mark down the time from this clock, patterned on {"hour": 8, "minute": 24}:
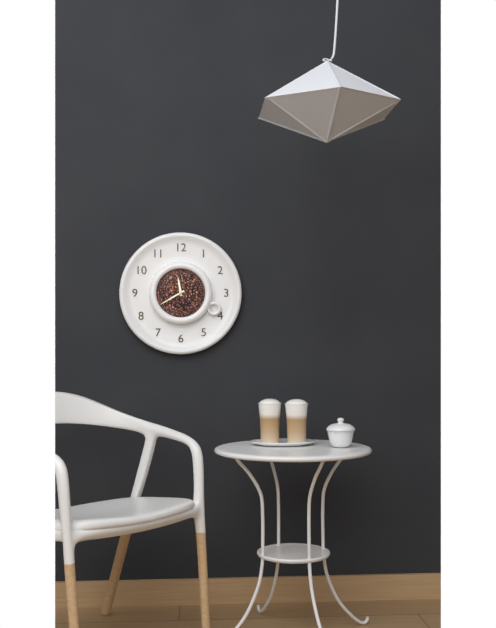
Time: {"hour": 11, "minute": 40}
